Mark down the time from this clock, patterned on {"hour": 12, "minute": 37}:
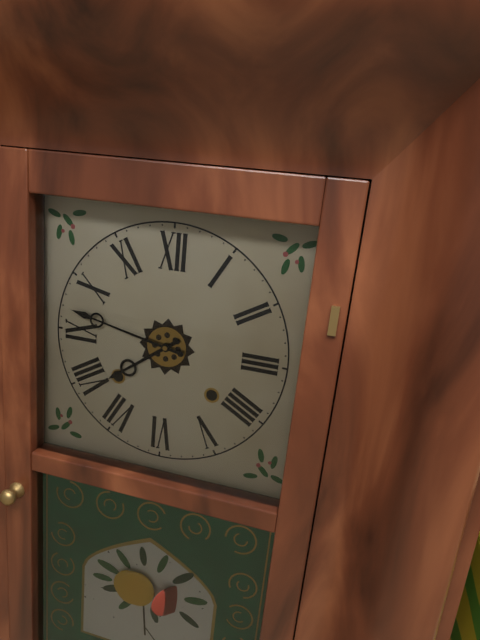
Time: {"hour": 7, "minute": 47}
